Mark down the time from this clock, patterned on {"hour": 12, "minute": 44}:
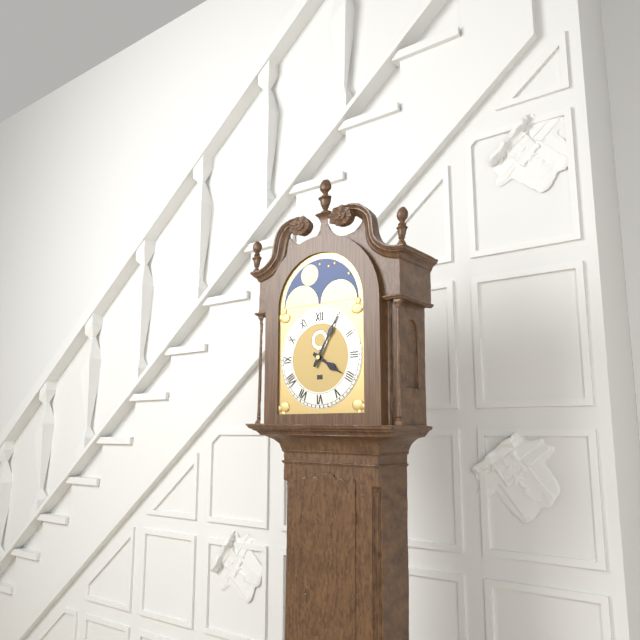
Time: {"hour": 4, "minute": 5}
